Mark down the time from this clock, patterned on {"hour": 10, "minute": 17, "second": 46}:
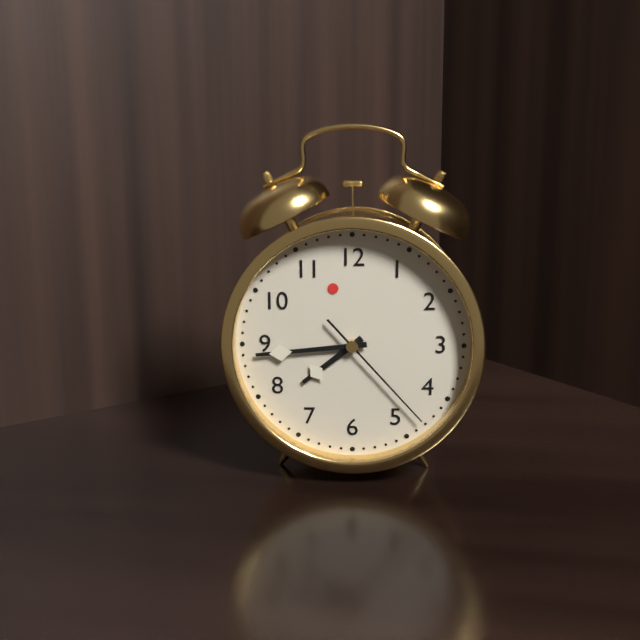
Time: {"hour": 7, "minute": 44, "second": 23}
